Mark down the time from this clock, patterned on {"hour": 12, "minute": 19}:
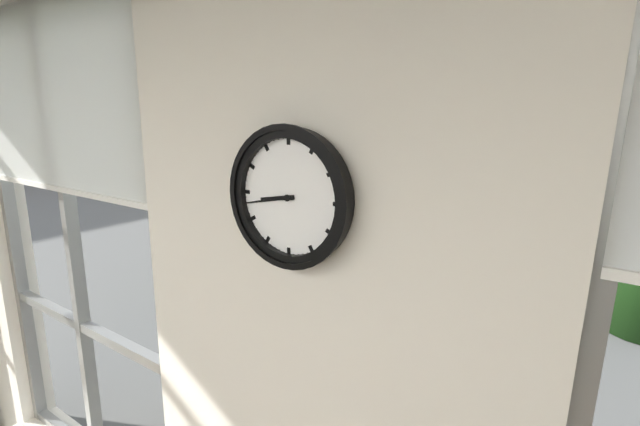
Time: {"hour": 8, "minute": 43}
